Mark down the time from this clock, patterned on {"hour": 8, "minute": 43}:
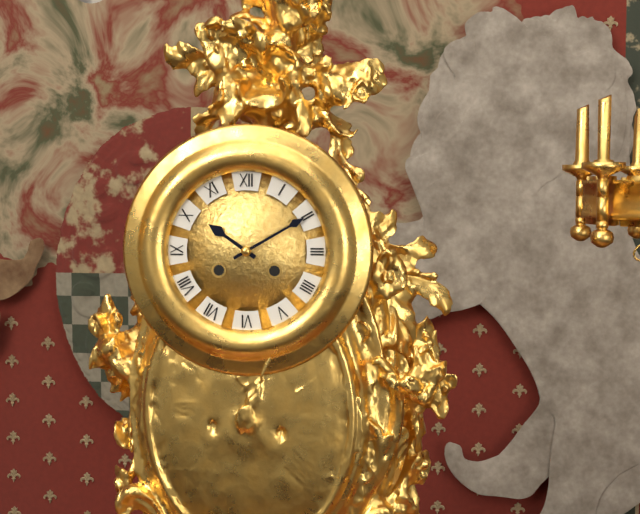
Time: {"hour": 10, "minute": 10}
